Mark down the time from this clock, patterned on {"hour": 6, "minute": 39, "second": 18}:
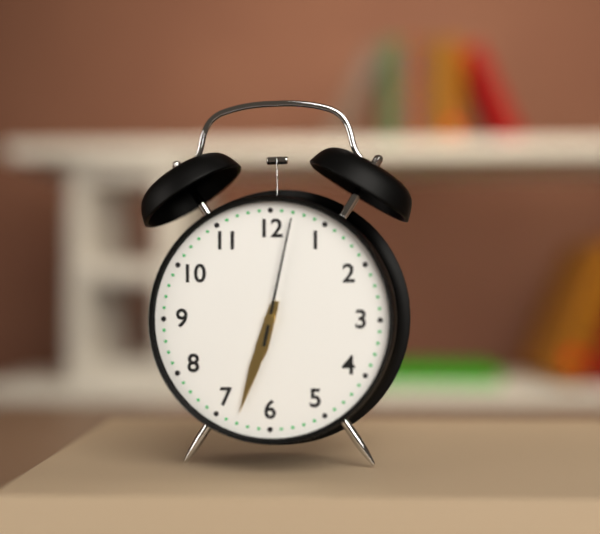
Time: {"hour": 6, "minute": 33, "second": 2}
